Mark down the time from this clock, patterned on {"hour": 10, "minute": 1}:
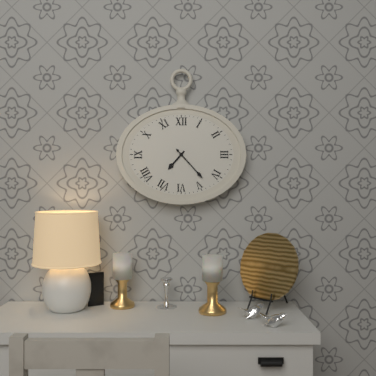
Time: {"hour": 7, "minute": 23}
